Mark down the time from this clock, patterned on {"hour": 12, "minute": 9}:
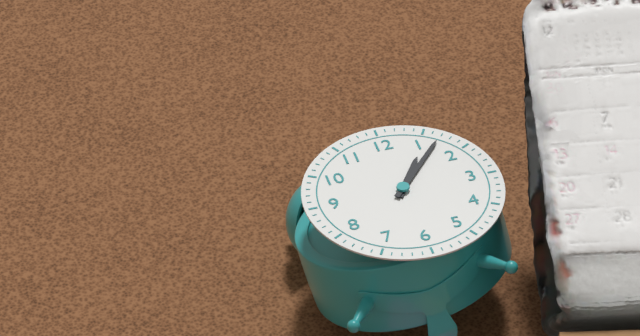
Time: {"hour": 1, "minute": 7}
